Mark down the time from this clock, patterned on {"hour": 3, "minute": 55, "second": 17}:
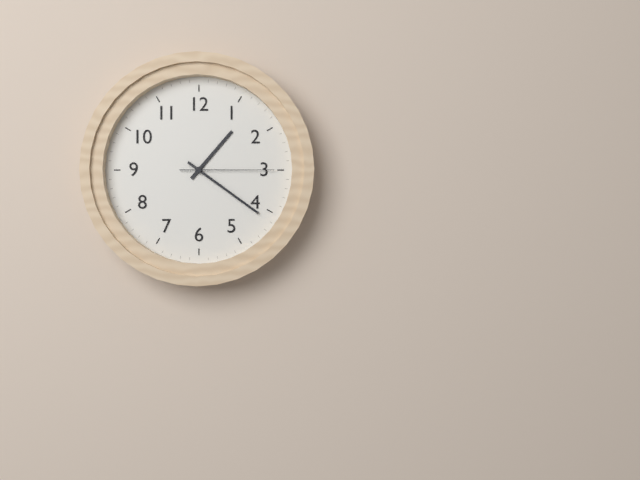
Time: {"hour": 1, "minute": 21, "second": 15}
